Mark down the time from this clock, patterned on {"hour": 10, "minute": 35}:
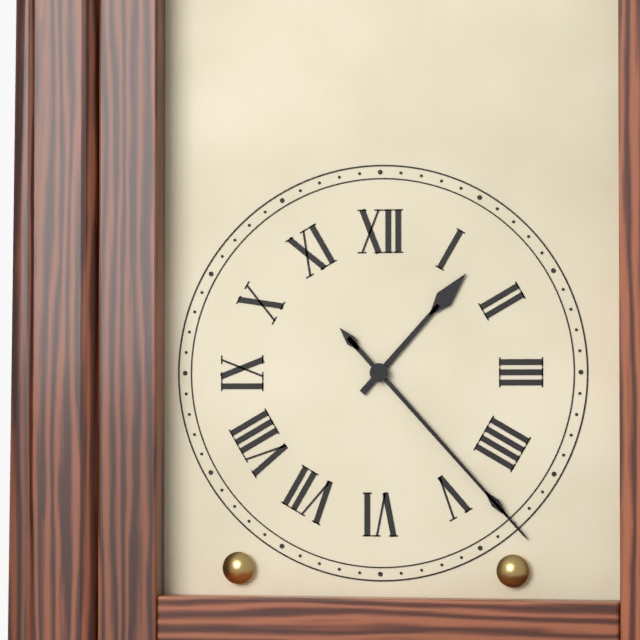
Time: {"hour": 1, "minute": 23}
